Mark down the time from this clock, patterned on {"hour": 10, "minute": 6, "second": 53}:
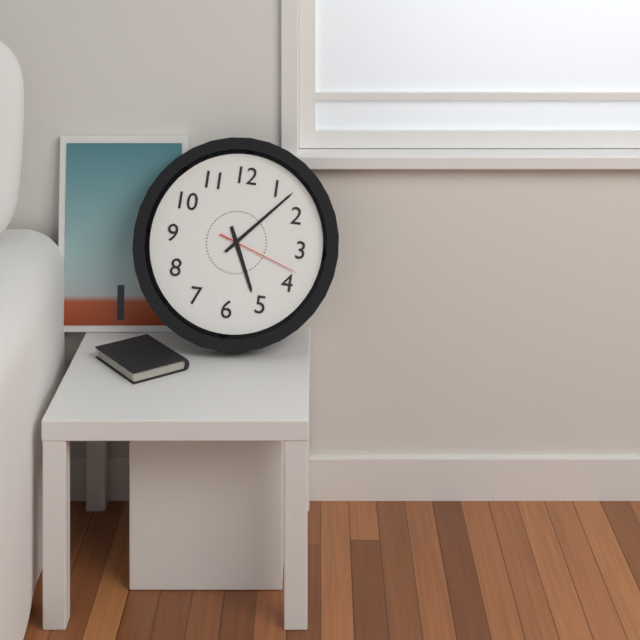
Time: {"hour": 5, "minute": 7, "second": 18}
